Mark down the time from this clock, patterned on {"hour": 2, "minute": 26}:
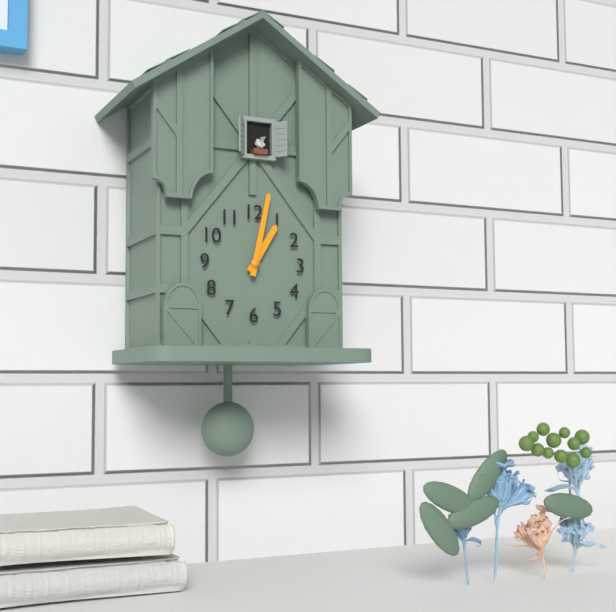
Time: {"hour": 1, "minute": 2}
